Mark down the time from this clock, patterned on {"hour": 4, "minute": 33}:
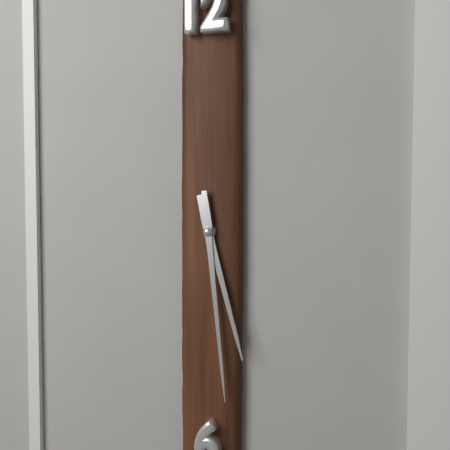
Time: {"hour": 5, "minute": 29}
